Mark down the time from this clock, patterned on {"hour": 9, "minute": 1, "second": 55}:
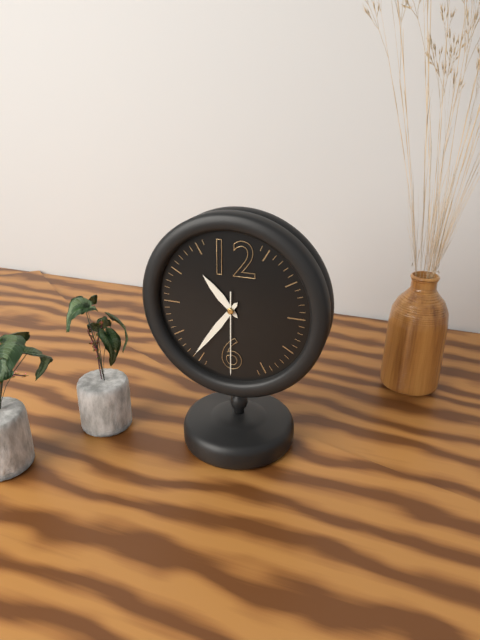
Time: {"hour": 10, "minute": 36, "second": 30}
